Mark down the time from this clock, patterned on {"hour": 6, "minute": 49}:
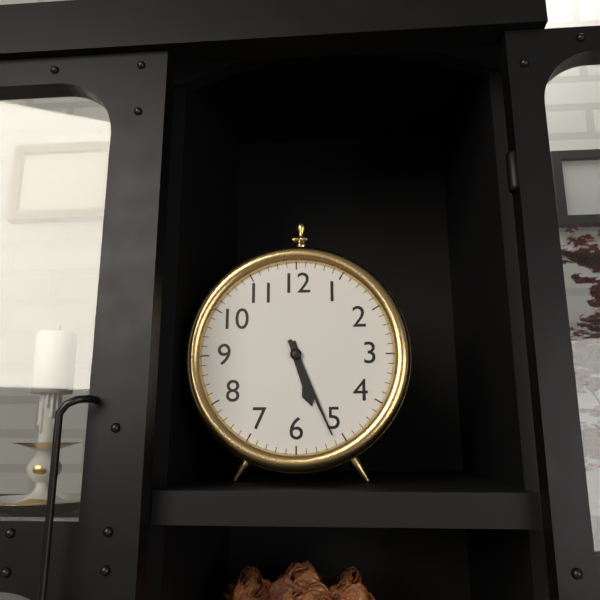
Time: {"hour": 5, "minute": 26}
